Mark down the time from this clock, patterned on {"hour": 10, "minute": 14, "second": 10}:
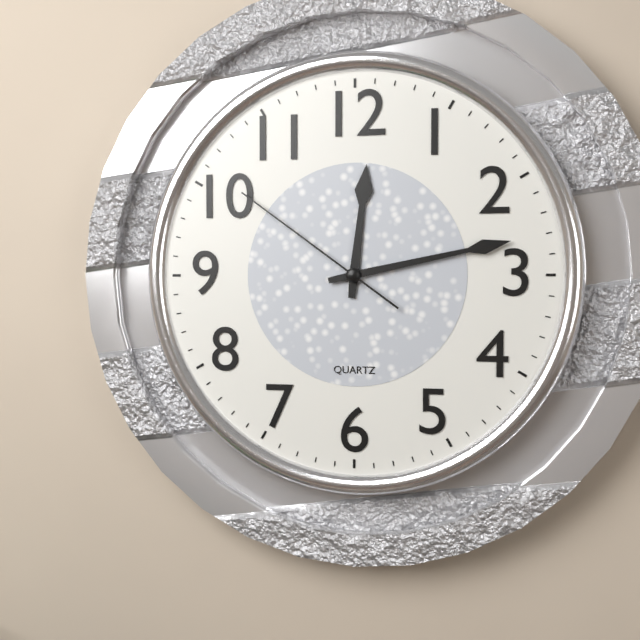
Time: {"hour": 12, "minute": 13, "second": 51}
